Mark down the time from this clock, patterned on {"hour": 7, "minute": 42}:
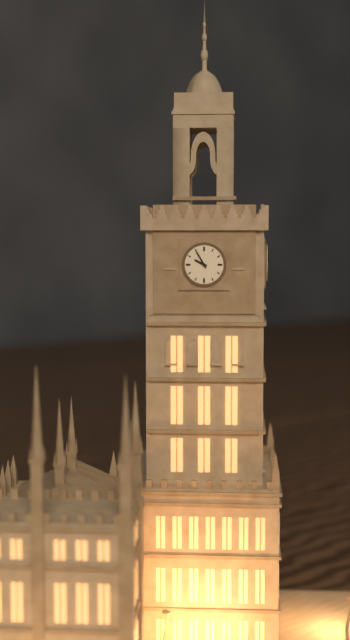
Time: {"hour": 9, "minute": 55}
